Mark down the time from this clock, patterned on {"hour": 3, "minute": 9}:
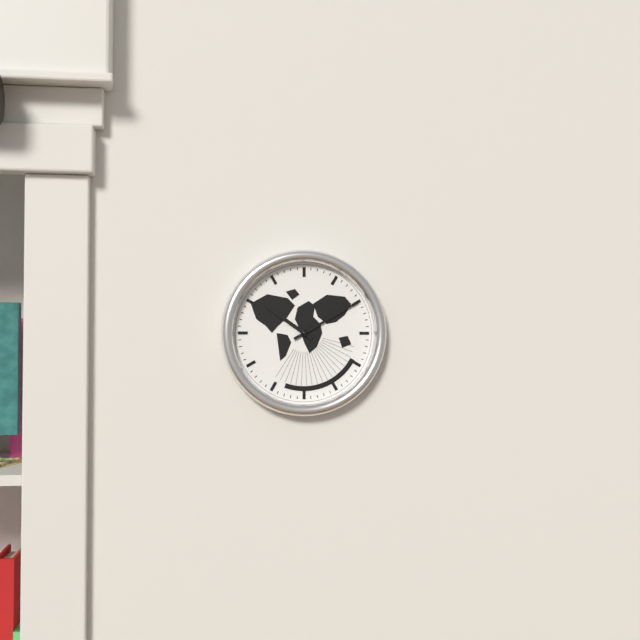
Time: {"hour": 10, "minute": 10}
